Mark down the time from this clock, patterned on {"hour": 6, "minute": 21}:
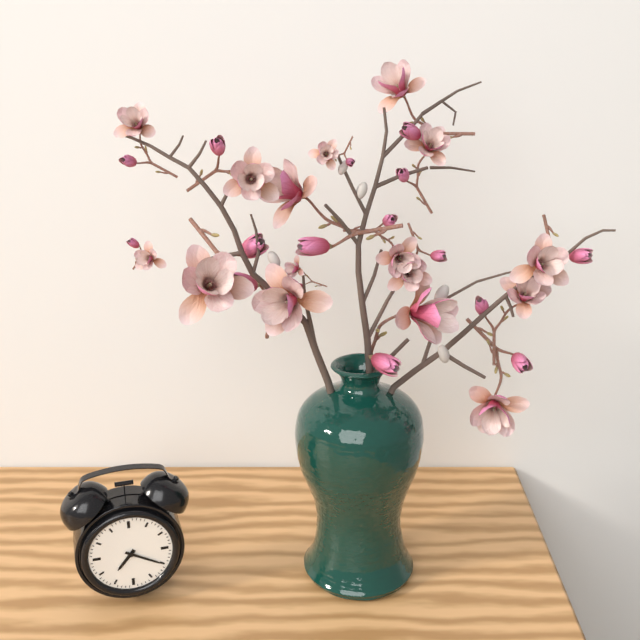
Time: {"hour": 7, "minute": 20}
